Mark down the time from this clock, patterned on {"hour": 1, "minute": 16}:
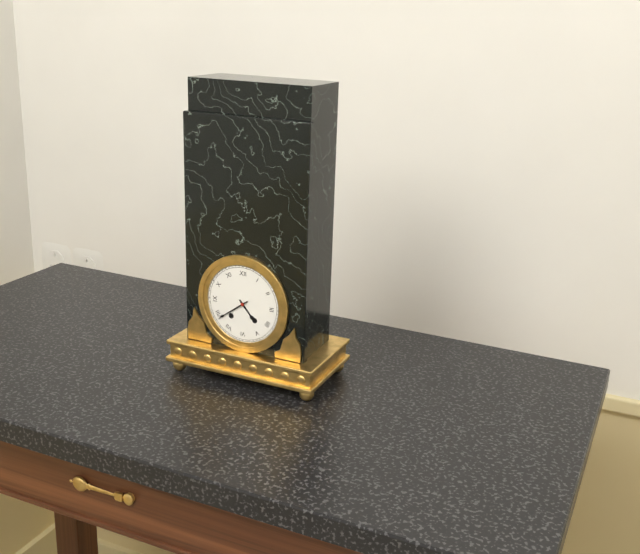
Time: {"hour": 4, "minute": 39}
